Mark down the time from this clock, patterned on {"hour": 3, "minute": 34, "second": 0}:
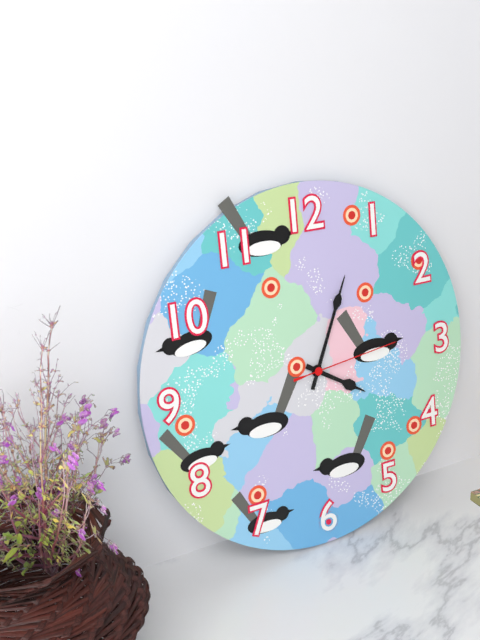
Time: {"hour": 4, "minute": 4, "second": 14}
